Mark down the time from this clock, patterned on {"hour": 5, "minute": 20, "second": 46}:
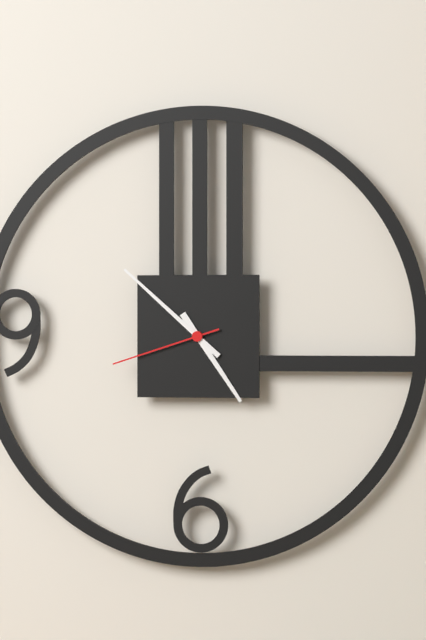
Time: {"hour": 4, "minute": 52, "second": 42}
